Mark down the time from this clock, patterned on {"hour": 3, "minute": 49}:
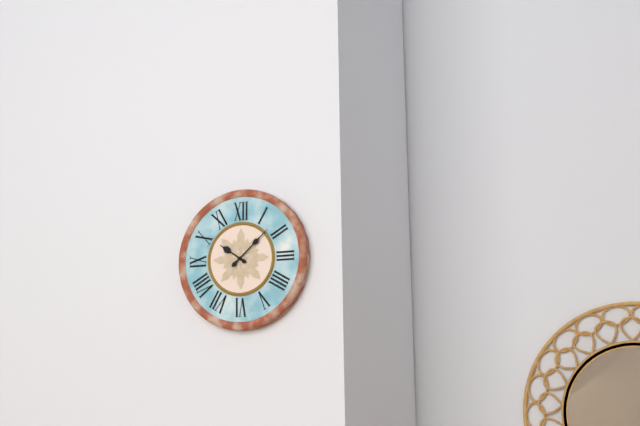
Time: {"hour": 10, "minute": 8}
